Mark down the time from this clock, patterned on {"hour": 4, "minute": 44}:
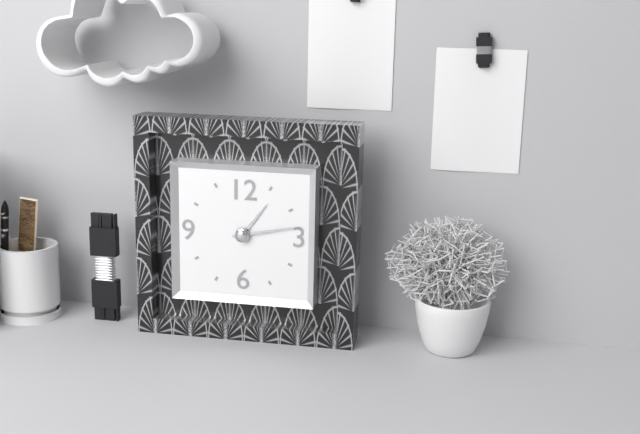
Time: {"hour": 1, "minute": 13}
